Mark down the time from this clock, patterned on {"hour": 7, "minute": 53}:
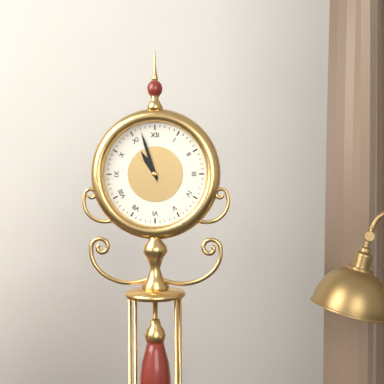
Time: {"hour": 10, "minute": 57}
